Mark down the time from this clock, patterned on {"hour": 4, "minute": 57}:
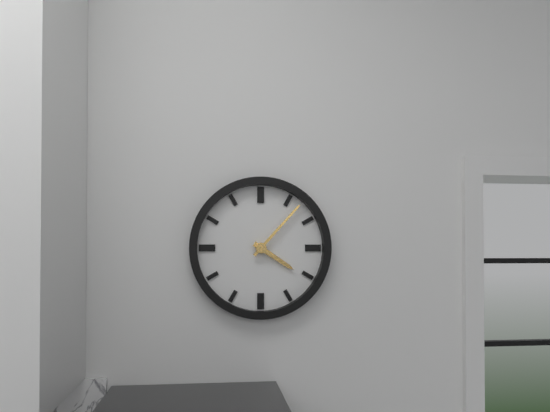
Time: {"hour": 4, "minute": 7}
